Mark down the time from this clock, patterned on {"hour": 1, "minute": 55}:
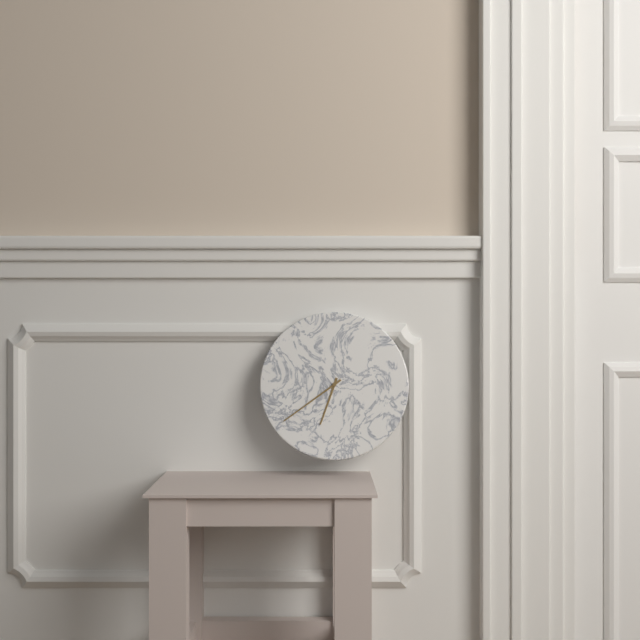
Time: {"hour": 6, "minute": 39}
